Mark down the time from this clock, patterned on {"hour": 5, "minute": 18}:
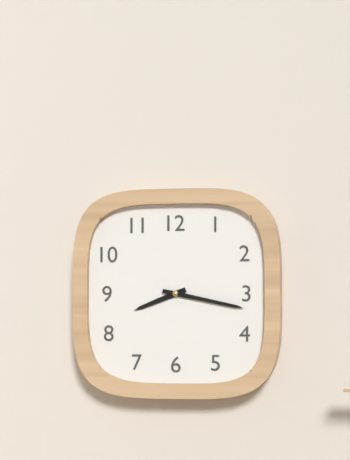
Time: {"hour": 8, "minute": 17}
